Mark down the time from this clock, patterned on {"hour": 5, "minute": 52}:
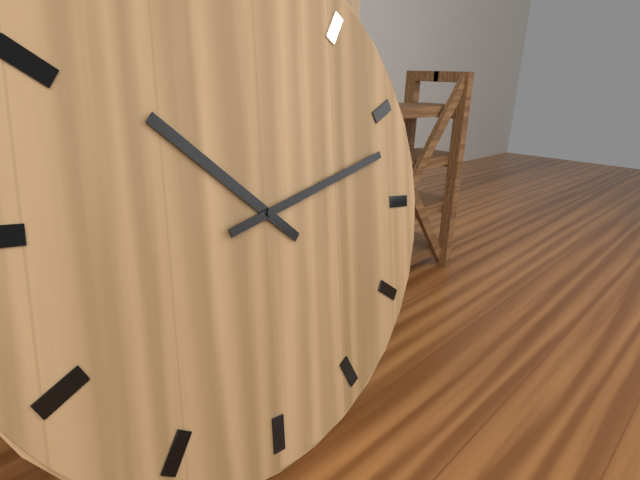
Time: {"hour": 10, "minute": 12}
